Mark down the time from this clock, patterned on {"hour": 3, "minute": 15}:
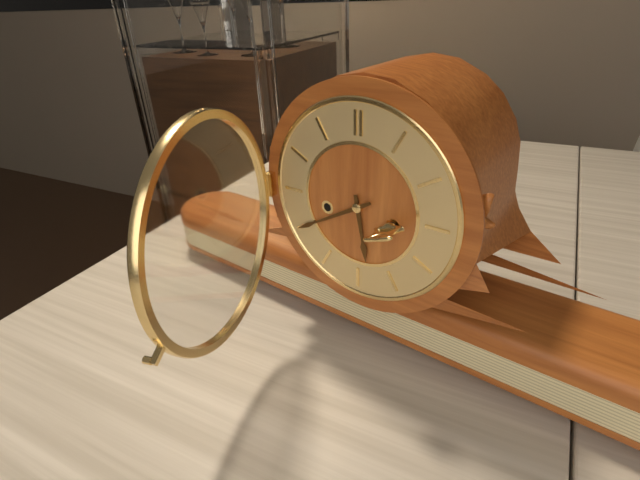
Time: {"hour": 5, "minute": 40}
